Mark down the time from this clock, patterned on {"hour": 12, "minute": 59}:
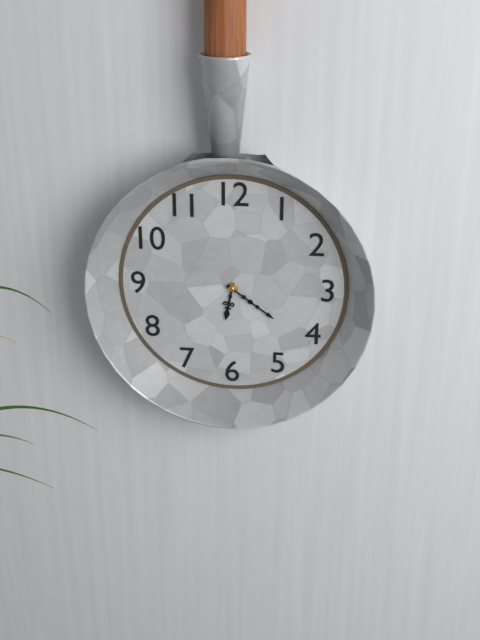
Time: {"hour": 6, "minute": 21}
